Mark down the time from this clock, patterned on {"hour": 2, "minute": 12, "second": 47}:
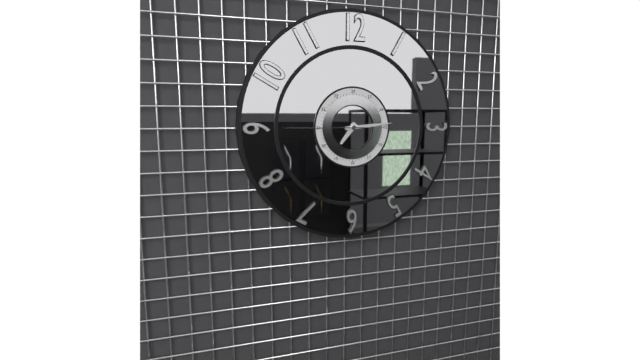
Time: {"hour": 7, "minute": 14, "second": 45}
